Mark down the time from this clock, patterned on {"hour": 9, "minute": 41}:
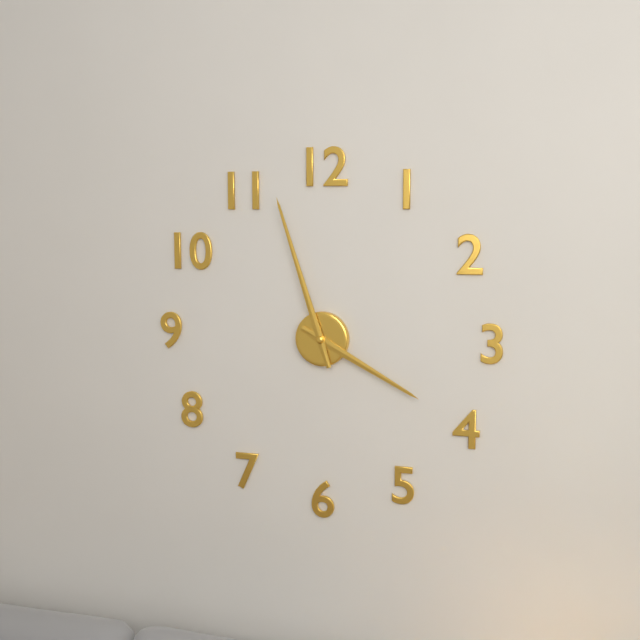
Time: {"hour": 3, "minute": 57}
